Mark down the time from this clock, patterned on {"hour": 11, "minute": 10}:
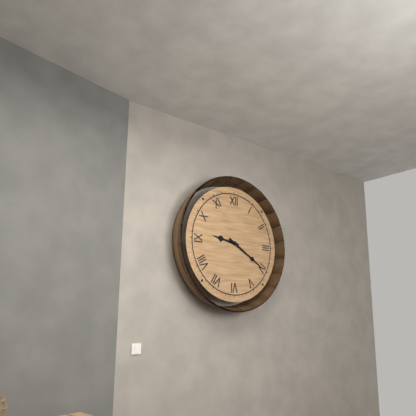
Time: {"hour": 9, "minute": 20}
